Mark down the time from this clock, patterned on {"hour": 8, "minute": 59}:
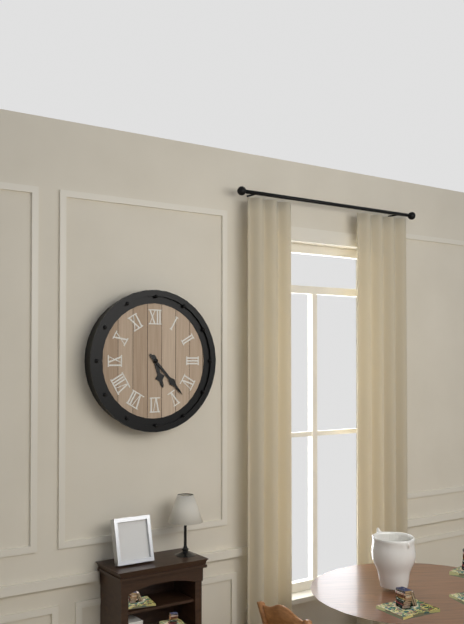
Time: {"hour": 5, "minute": 23}
